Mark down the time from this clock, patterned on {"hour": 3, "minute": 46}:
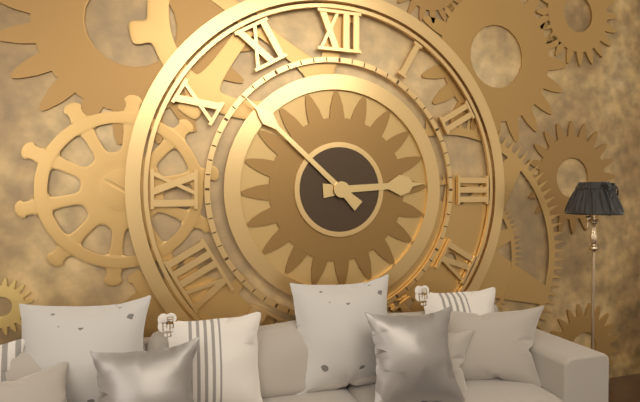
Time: {"hour": 2, "minute": 52}
